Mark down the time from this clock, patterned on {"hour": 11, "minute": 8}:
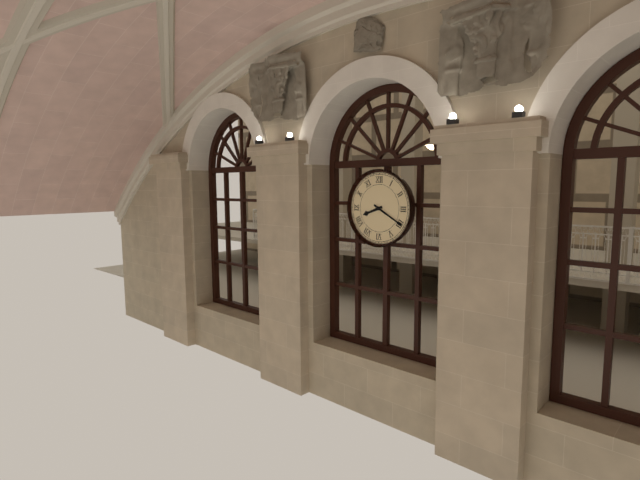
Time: {"hour": 8, "minute": 20}
